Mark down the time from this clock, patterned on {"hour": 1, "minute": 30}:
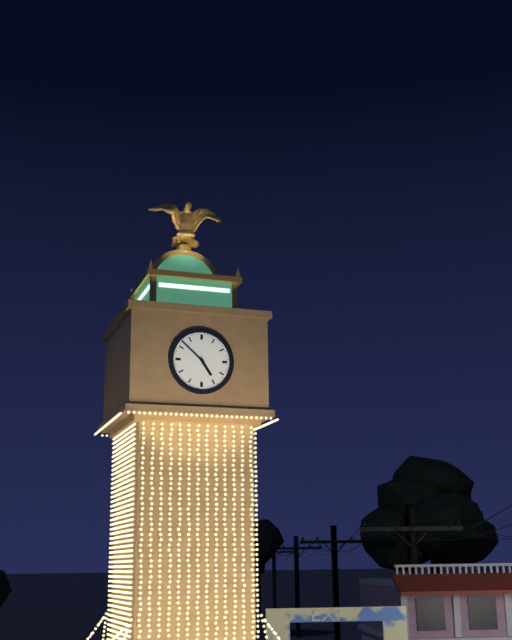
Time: {"hour": 4, "minute": 52}
